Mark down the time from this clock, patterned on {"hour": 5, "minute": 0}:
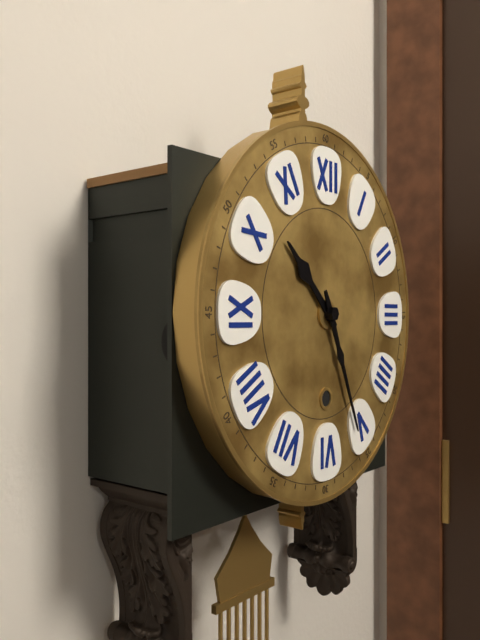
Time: {"hour": 10, "minute": 26}
